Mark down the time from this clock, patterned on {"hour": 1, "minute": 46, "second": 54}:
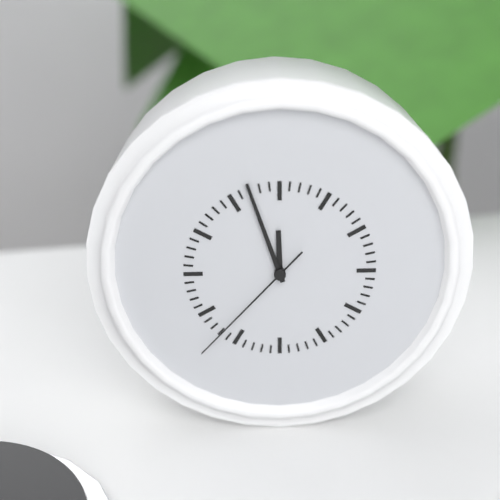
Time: {"hour": 11, "minute": 57, "second": 37}
